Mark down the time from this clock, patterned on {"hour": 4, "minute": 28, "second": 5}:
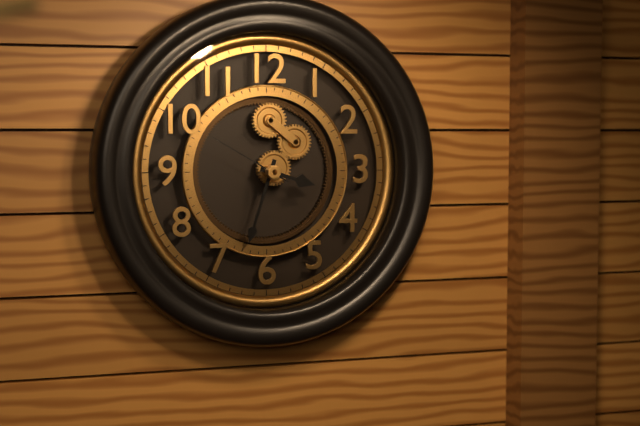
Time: {"hour": 3, "minute": 33, "second": 50}
